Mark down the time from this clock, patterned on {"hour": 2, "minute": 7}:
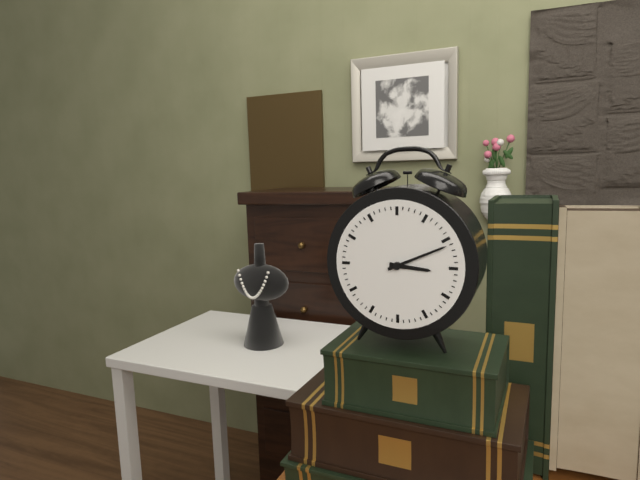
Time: {"hour": 3, "minute": 11}
